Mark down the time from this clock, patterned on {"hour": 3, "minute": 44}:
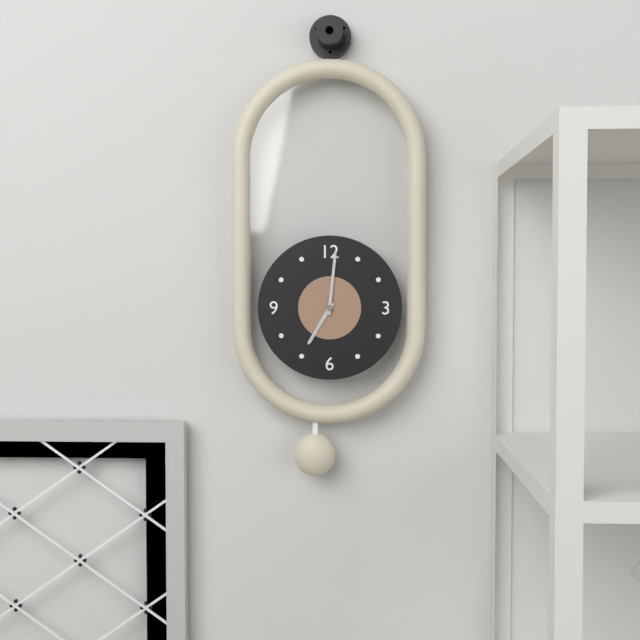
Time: {"hour": 7, "minute": 1}
